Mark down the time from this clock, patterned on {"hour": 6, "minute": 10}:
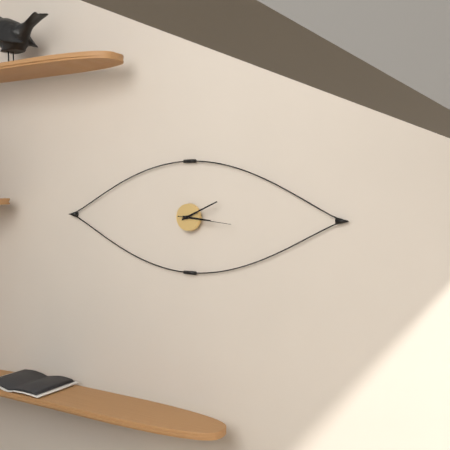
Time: {"hour": 3, "minute": 11}
